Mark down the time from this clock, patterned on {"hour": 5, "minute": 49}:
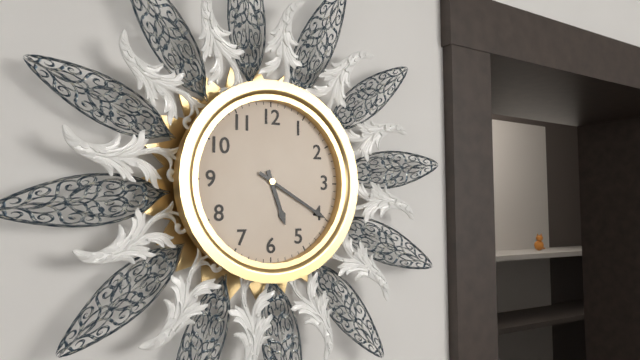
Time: {"hour": 5, "minute": 20}
